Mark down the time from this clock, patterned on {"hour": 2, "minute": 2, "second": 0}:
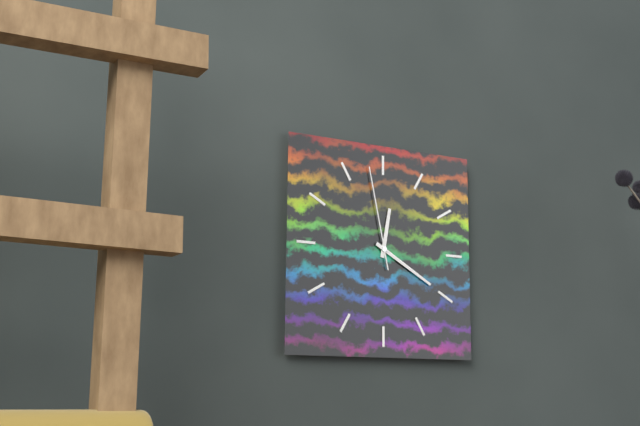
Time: {"hour": 12, "minute": 20, "second": 58}
